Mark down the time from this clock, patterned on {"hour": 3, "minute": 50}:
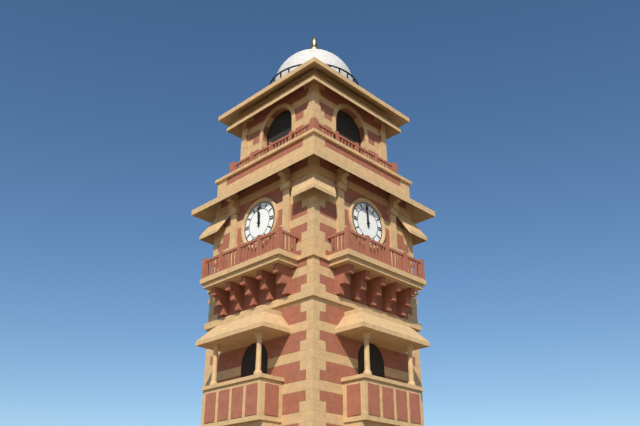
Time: {"hour": 11, "minute": 59}
